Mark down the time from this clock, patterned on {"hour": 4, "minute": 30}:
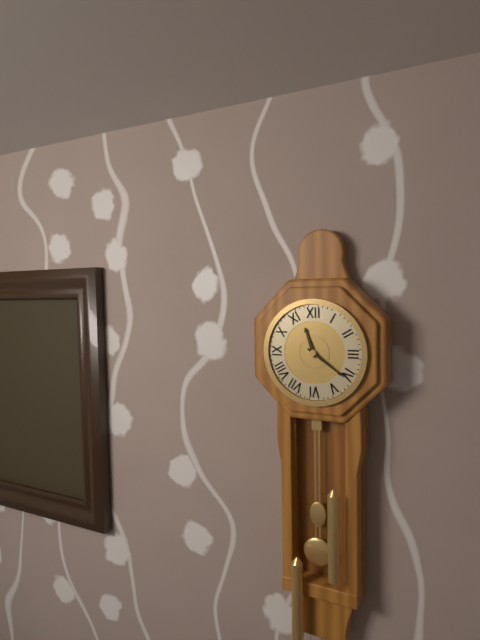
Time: {"hour": 11, "minute": 21}
